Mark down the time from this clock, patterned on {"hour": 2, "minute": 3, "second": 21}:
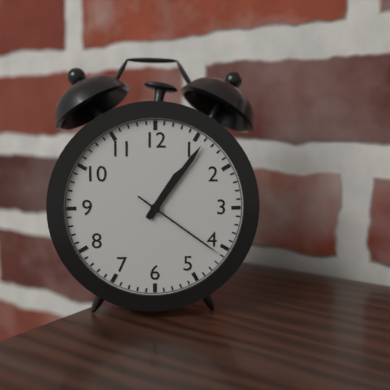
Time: {"hour": 1, "minute": 6, "second": 21}
